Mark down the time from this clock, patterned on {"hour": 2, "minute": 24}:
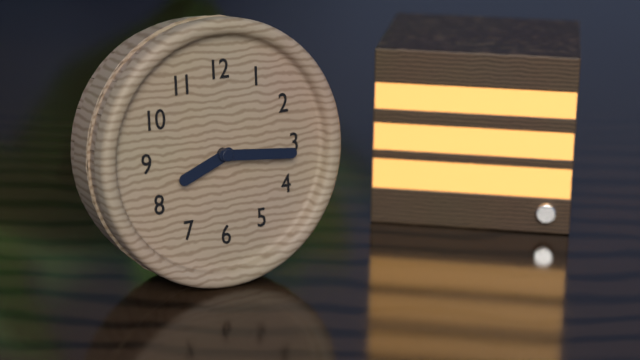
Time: {"hour": 8, "minute": 16}
